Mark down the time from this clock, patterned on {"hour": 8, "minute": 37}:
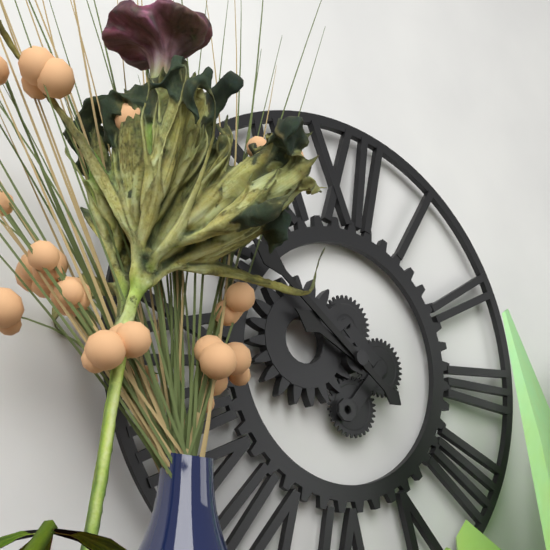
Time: {"hour": 9, "minute": 51}
